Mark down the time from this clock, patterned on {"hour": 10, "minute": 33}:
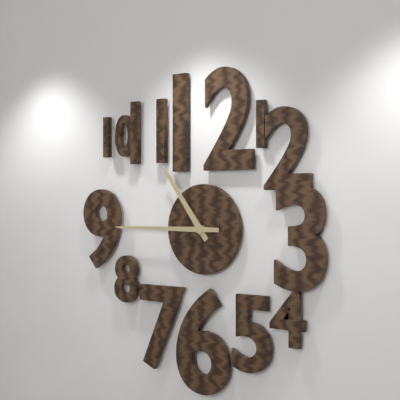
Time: {"hour": 10, "minute": 45}
